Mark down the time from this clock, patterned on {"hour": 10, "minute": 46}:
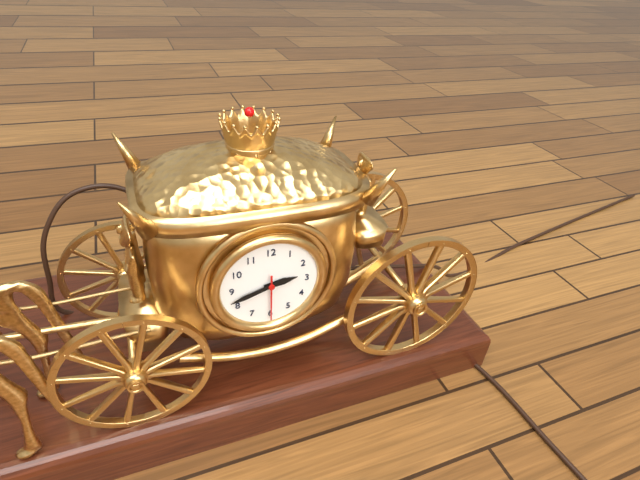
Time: {"hour": 2, "minute": 42}
